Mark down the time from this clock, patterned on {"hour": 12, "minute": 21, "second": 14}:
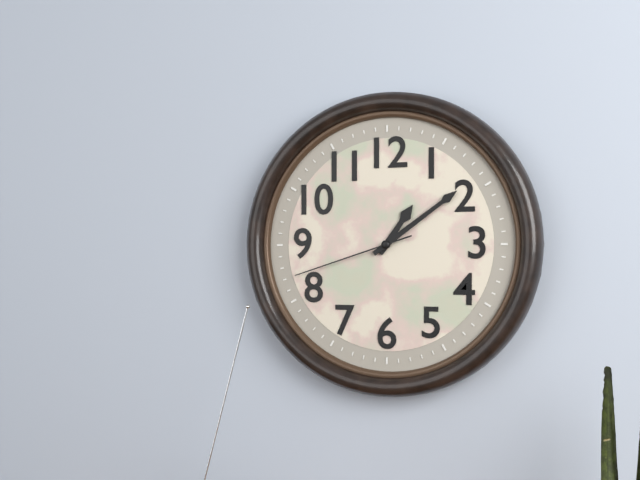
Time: {"hour": 1, "minute": 9, "second": 42}
